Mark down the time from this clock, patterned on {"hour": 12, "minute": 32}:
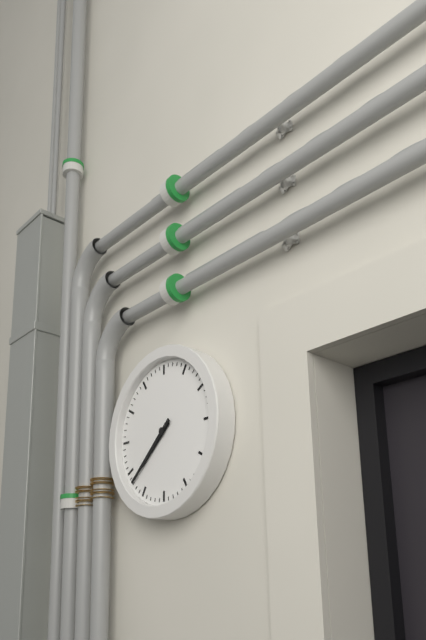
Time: {"hour": 7, "minute": 38}
